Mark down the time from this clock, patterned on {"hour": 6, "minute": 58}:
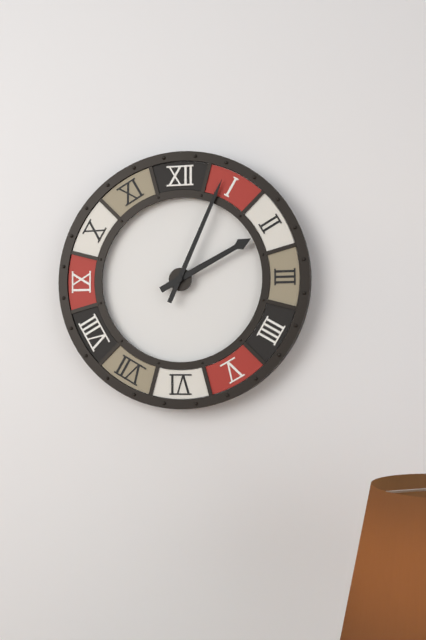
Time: {"hour": 2, "minute": 4}
